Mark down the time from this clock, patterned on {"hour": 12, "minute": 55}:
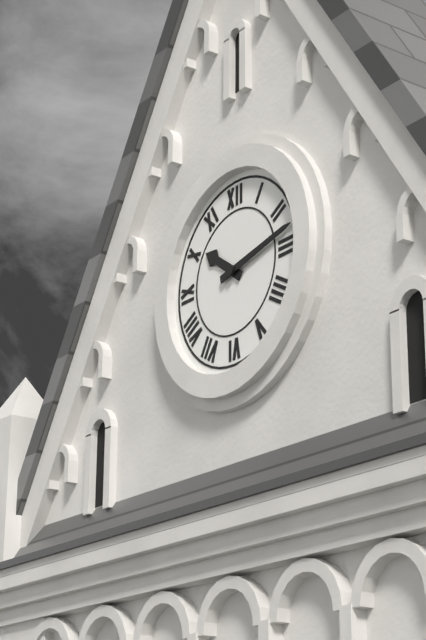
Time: {"hour": 10, "minute": 13}
